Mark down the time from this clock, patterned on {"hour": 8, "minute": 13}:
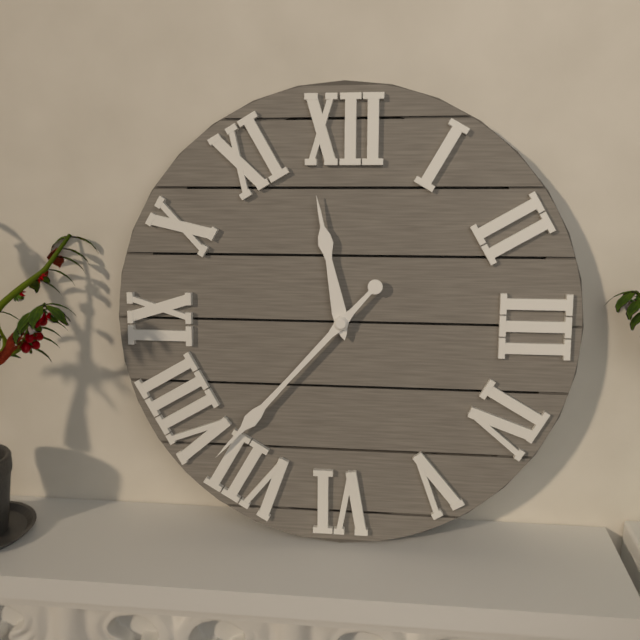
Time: {"hour": 11, "minute": 37}
